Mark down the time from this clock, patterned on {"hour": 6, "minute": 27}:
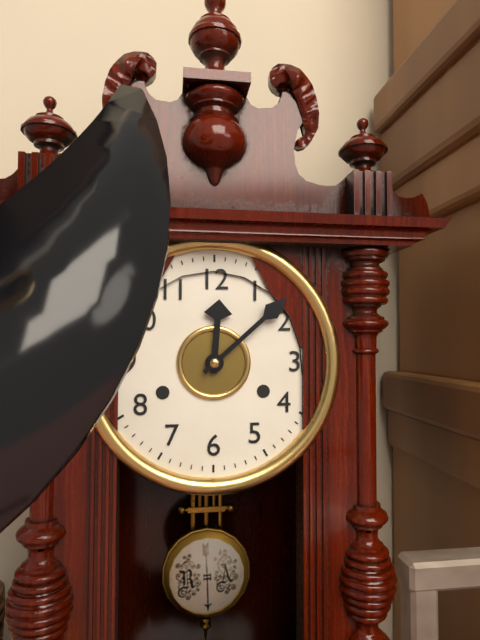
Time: {"hour": 12, "minute": 8}
